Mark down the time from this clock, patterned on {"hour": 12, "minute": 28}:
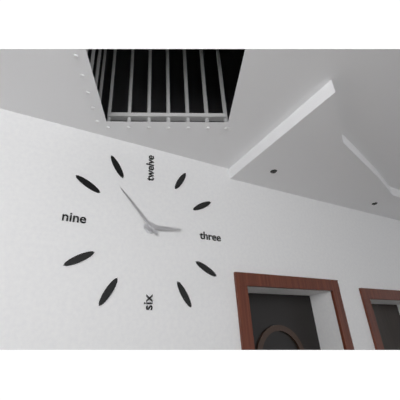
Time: {"hour": 2, "minute": 53}
